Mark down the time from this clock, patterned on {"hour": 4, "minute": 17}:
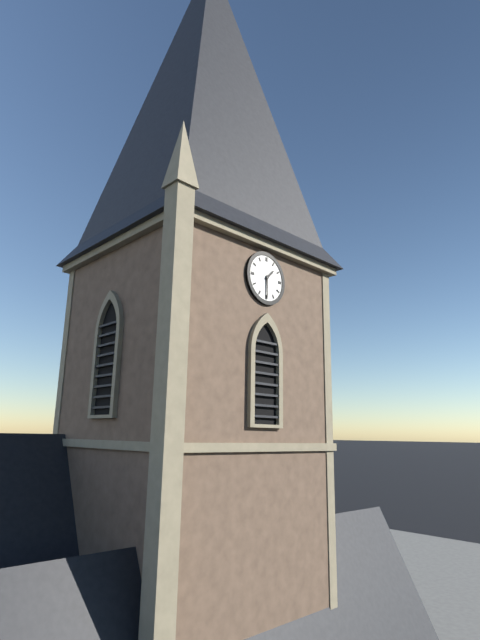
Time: {"hour": 1, "minute": 30}
